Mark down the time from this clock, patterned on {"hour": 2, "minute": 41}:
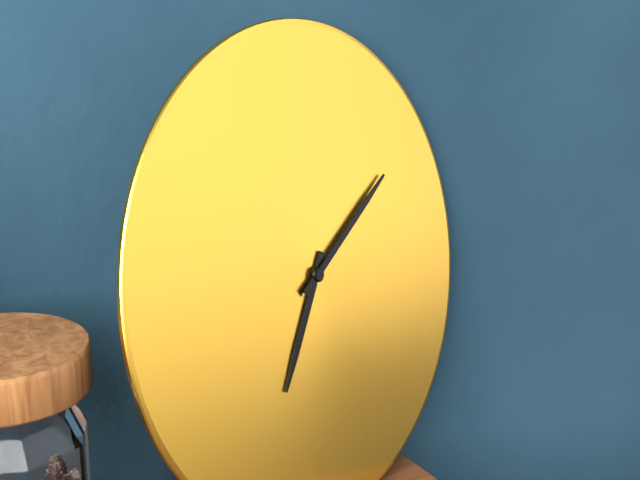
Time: {"hour": 7, "minute": 10}
